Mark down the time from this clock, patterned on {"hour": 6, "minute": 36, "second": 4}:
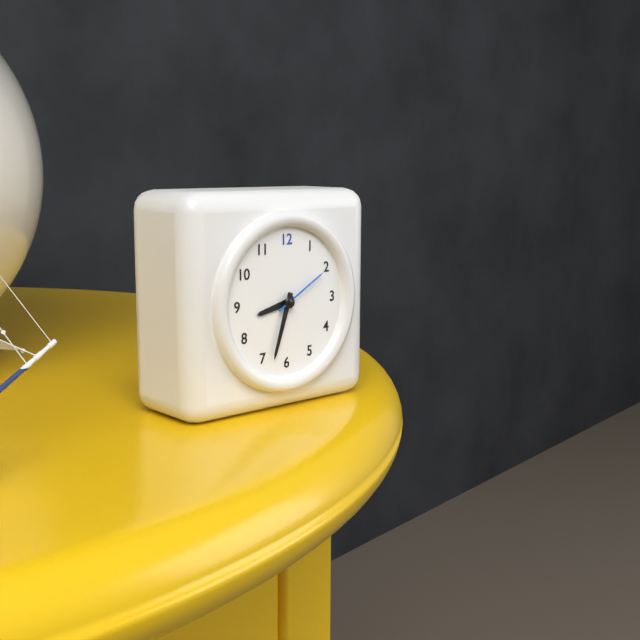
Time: {"hour": 8, "minute": 33, "second": 10}
